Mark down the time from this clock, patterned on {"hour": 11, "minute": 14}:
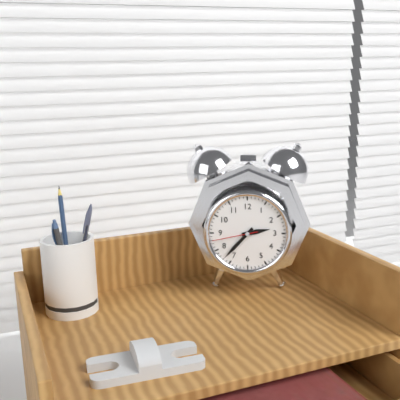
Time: {"hour": 2, "minute": 37}
